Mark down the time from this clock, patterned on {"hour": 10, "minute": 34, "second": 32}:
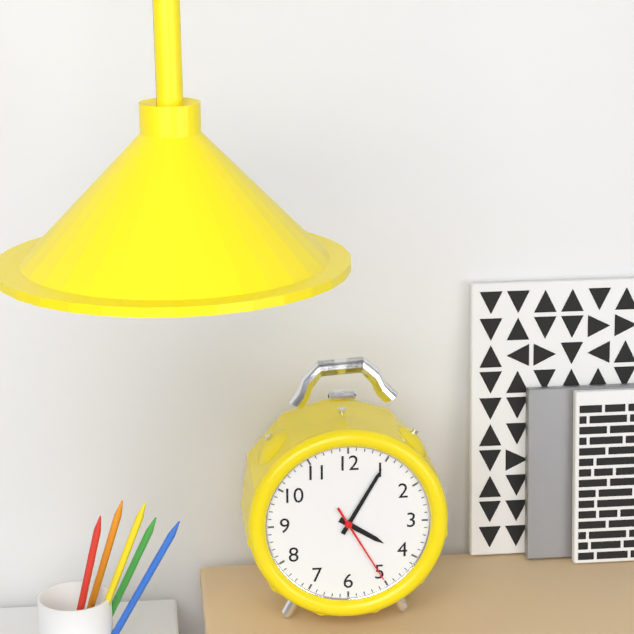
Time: {"hour": 4, "minute": 5, "second": 25}
